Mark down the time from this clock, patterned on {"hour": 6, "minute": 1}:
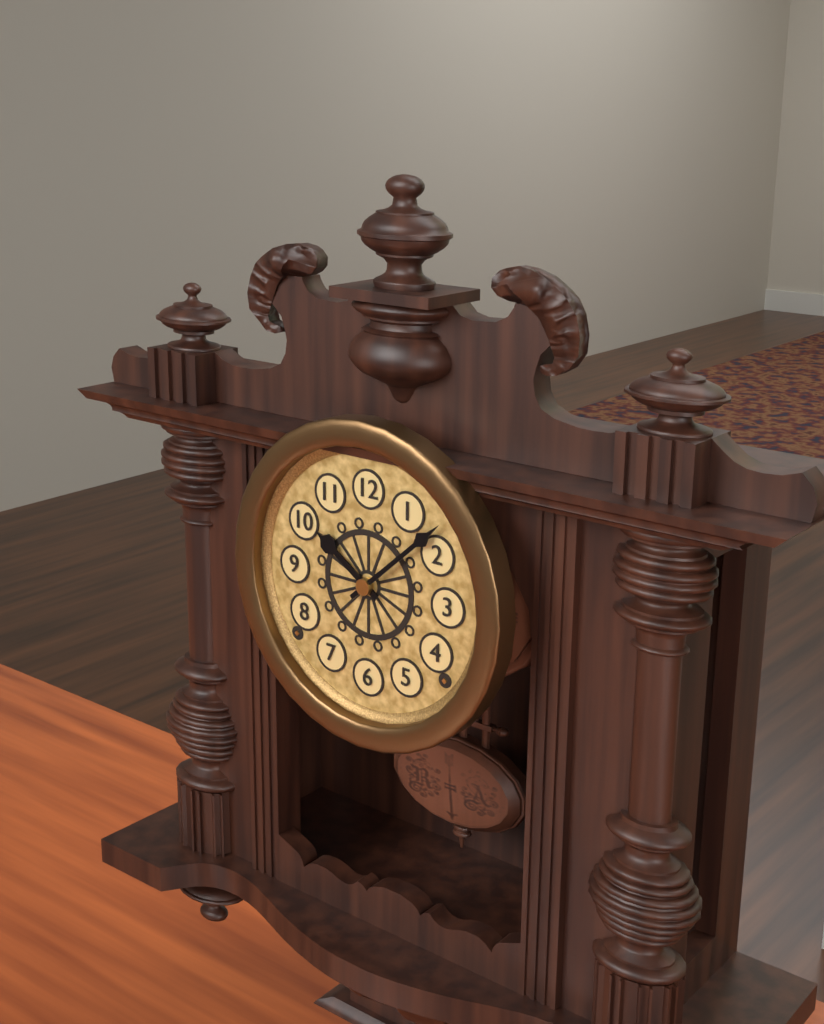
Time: {"hour": 10, "minute": 8}
